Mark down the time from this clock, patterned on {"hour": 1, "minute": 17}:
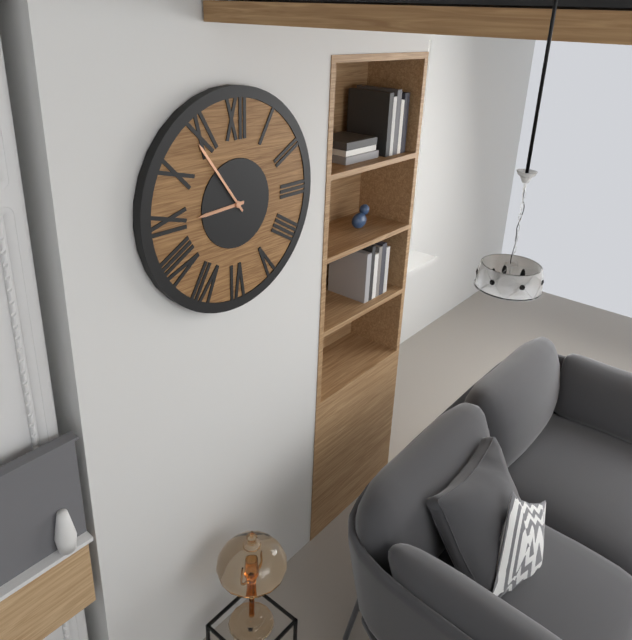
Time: {"hour": 8, "minute": 54}
